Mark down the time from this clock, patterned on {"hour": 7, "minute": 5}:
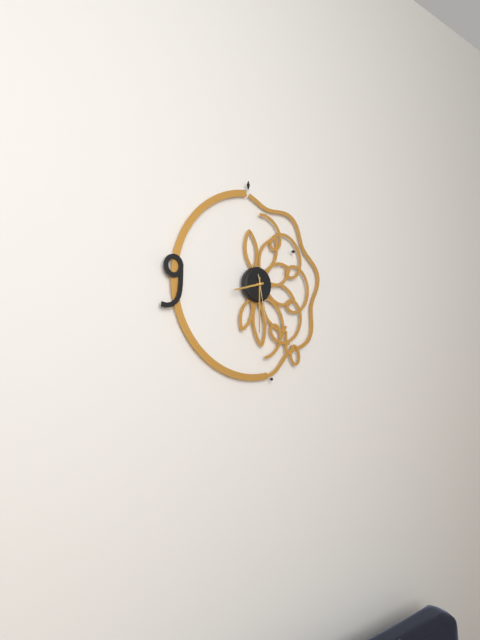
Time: {"hour": 8, "minute": 30}
